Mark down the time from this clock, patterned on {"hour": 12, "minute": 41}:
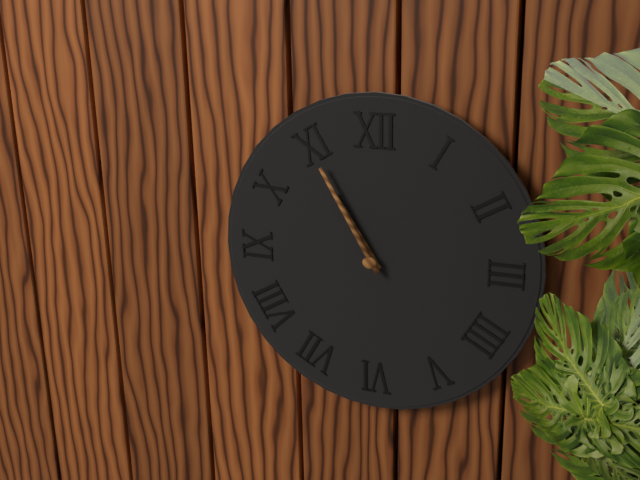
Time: {"hour": 10, "minute": 55}
